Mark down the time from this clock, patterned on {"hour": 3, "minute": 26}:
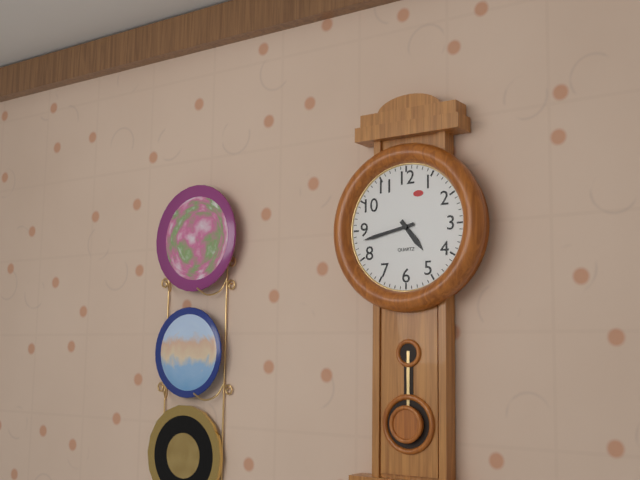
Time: {"hour": 4, "minute": 43}
